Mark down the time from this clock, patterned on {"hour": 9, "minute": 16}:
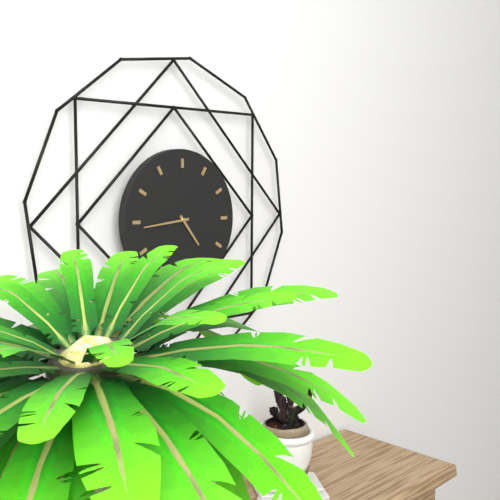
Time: {"hour": 4, "minute": 44}
